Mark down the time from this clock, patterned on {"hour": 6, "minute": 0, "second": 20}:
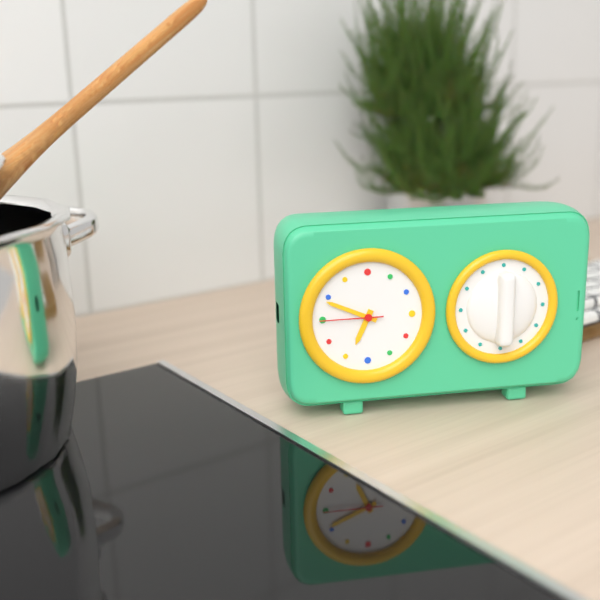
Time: {"hour": 6, "minute": 49, "second": 45}
